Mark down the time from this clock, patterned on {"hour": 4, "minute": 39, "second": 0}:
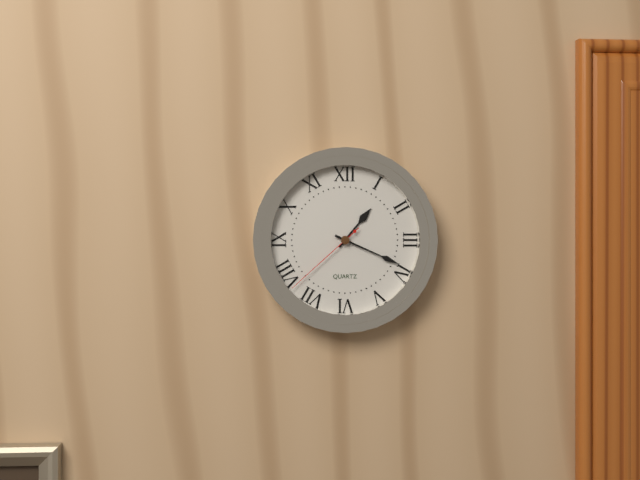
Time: {"hour": 1, "minute": 19, "second": 38}
